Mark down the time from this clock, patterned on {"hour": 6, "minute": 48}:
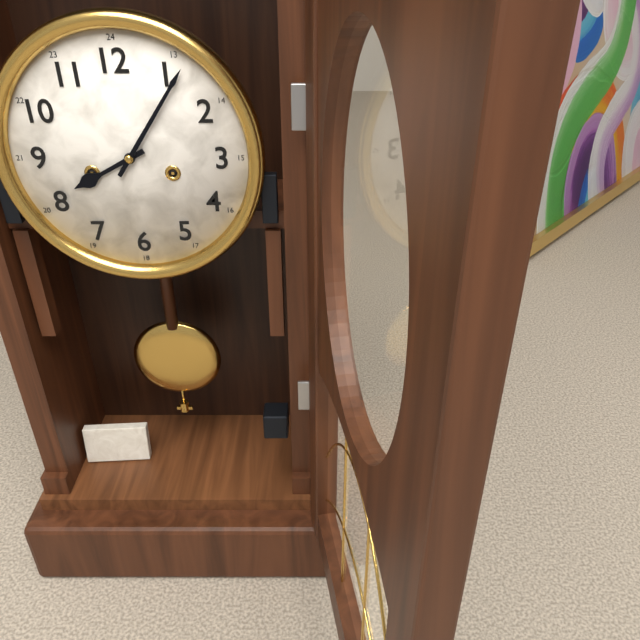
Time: {"hour": 8, "minute": 6}
